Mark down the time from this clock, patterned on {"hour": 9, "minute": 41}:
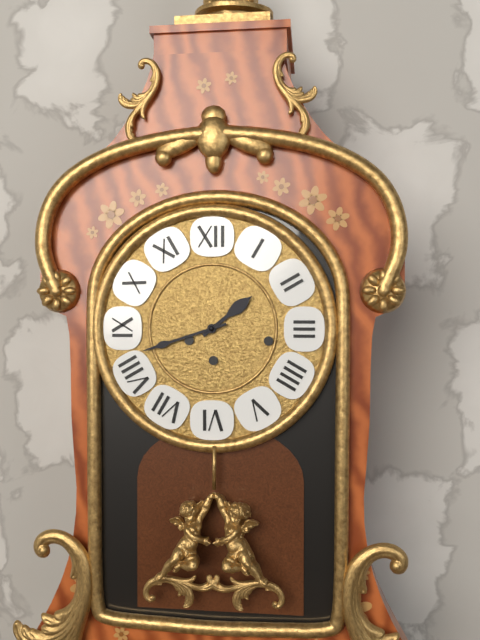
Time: {"hour": 1, "minute": 42}
